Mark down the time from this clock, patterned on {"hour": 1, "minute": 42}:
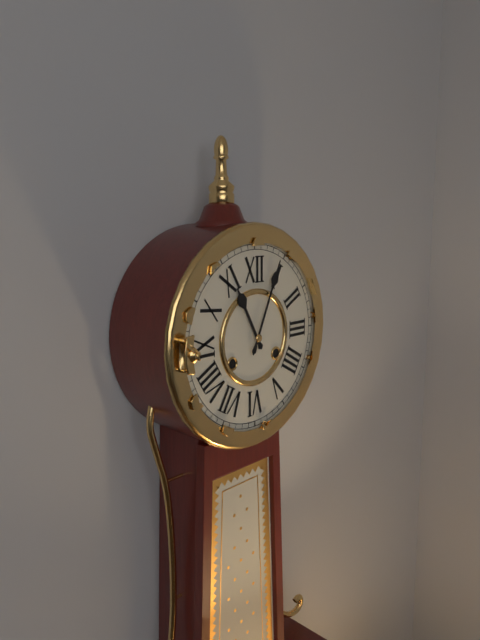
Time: {"hour": 11, "minute": 4}
